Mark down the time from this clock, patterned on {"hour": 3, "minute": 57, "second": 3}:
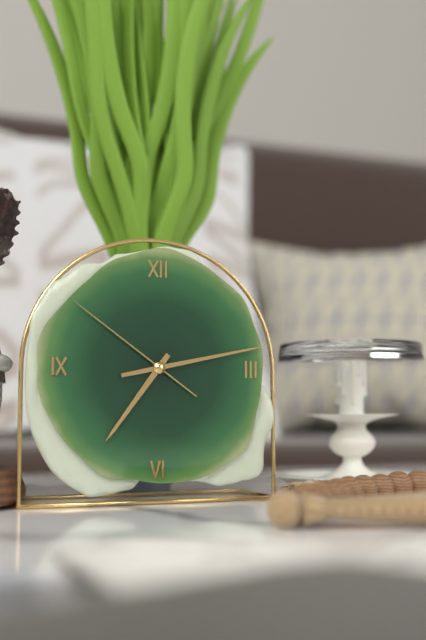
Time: {"hour": 7, "minute": 13, "second": 51}
